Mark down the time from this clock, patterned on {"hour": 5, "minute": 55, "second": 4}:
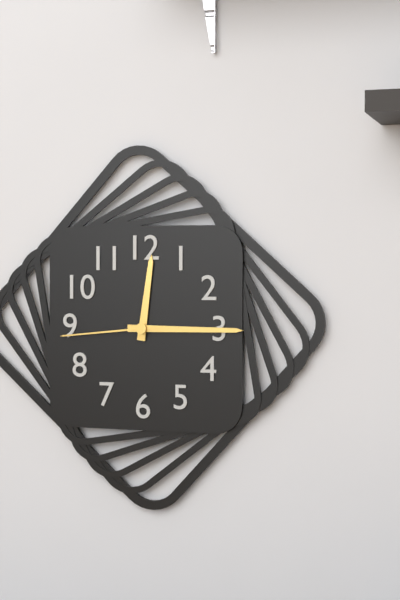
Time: {"hour": 12, "minute": 15, "second": 44}
